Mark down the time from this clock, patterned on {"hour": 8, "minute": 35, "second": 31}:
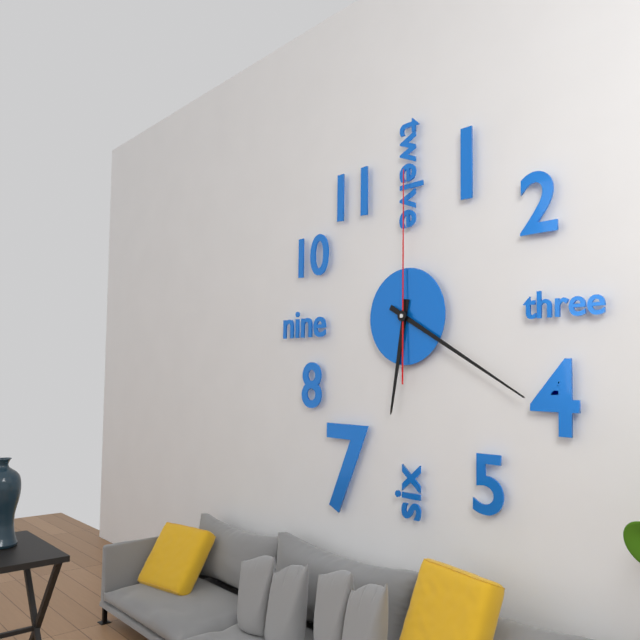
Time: {"hour": 6, "minute": 20, "second": 0}
